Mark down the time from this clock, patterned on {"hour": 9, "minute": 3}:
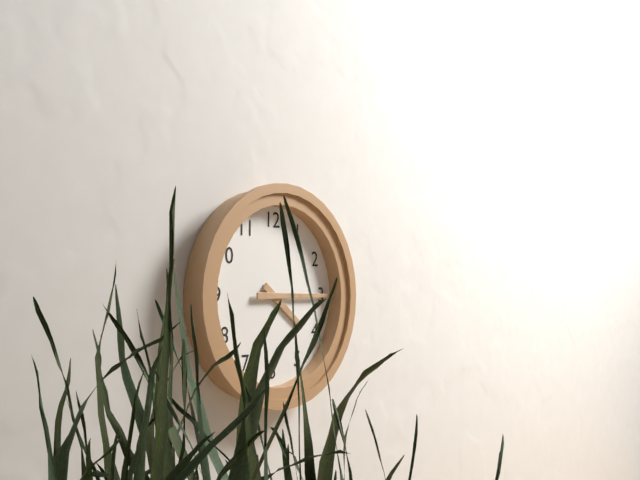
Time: {"hour": 4, "minute": 15}
